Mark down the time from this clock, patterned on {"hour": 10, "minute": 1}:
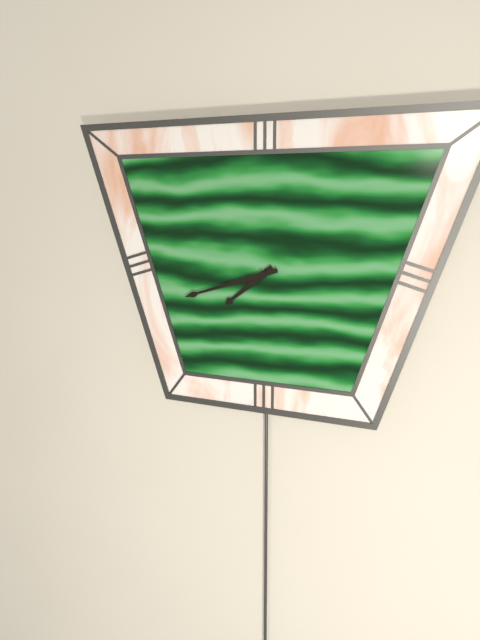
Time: {"hour": 7, "minute": 42}
